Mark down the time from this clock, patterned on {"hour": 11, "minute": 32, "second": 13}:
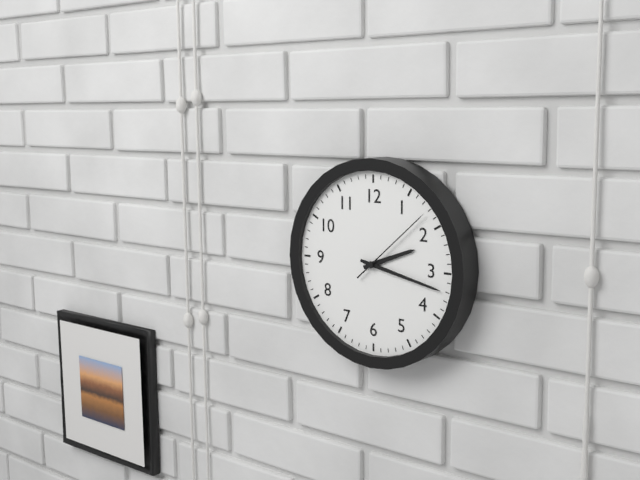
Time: {"hour": 2, "minute": 17, "second": 8}
